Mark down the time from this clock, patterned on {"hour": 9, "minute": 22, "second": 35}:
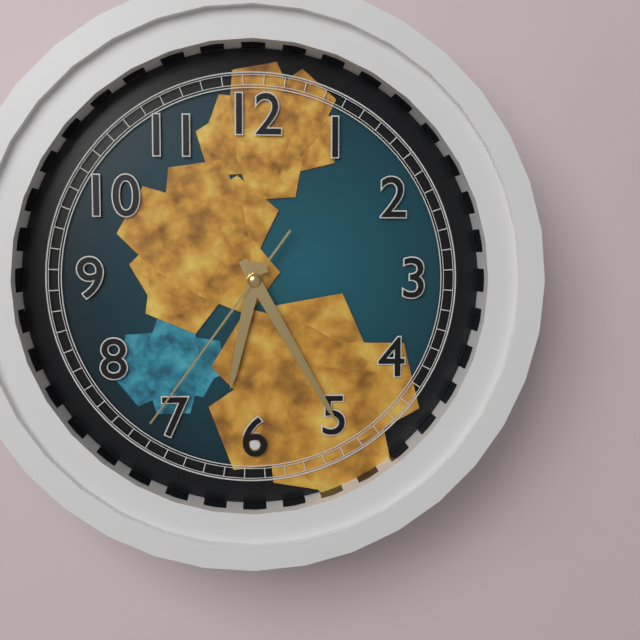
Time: {"hour": 6, "minute": 25, "second": 36}
